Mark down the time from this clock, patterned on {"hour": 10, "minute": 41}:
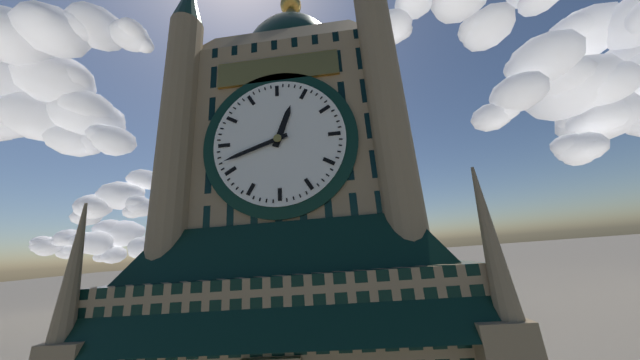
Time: {"hour": 12, "minute": 42}
